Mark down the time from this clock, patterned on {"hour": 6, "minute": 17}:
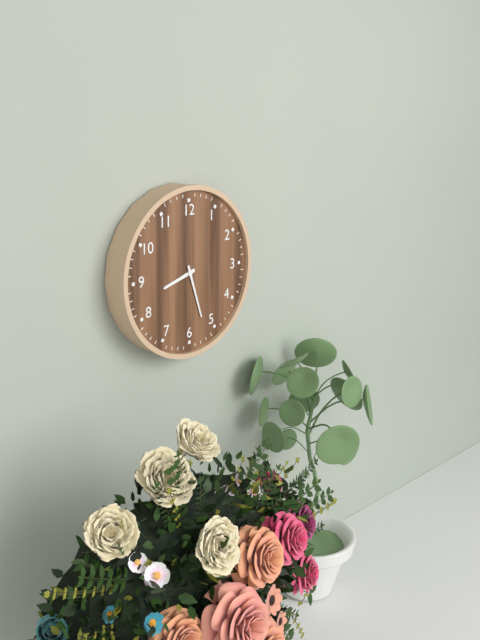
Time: {"hour": 8, "minute": 27}
